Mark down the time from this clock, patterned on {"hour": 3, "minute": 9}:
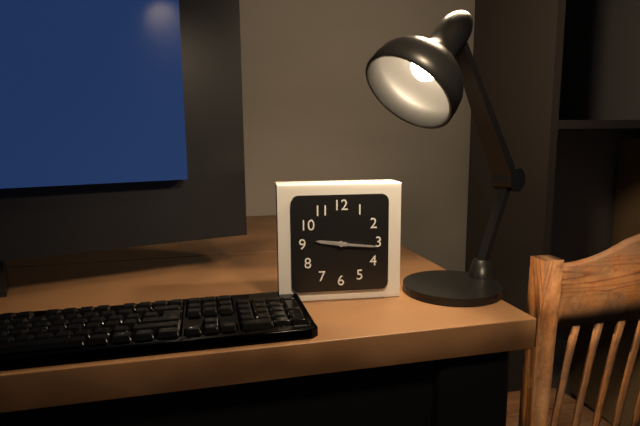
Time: {"hour": 9, "minute": 16}
